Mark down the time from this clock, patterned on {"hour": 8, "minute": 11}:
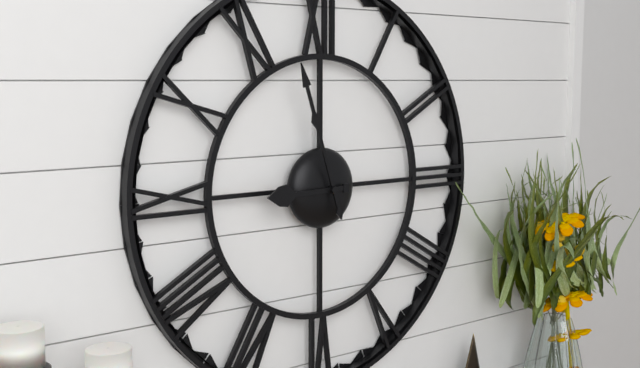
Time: {"hour": 8, "minute": 57}
